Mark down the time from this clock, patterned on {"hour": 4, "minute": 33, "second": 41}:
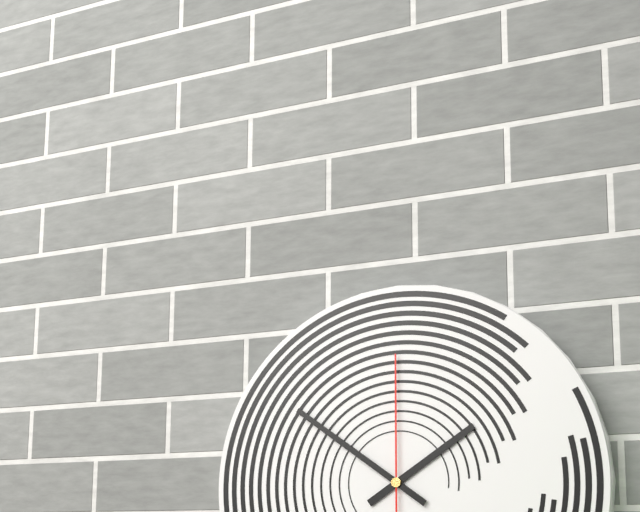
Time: {"hour": 1, "minute": 51, "second": 0}
